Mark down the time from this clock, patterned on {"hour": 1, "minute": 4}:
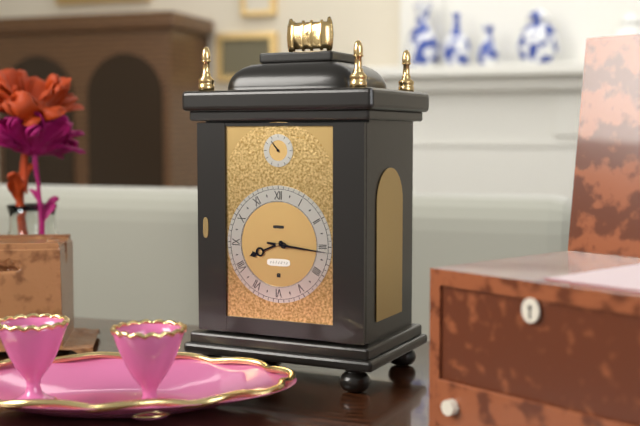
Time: {"hour": 8, "minute": 16}
